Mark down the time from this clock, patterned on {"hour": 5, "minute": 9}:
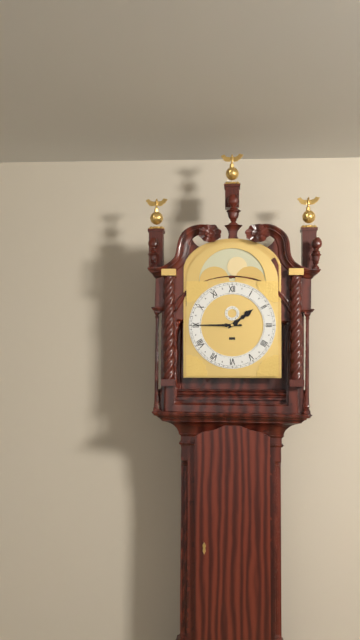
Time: {"hour": 1, "minute": 45}
